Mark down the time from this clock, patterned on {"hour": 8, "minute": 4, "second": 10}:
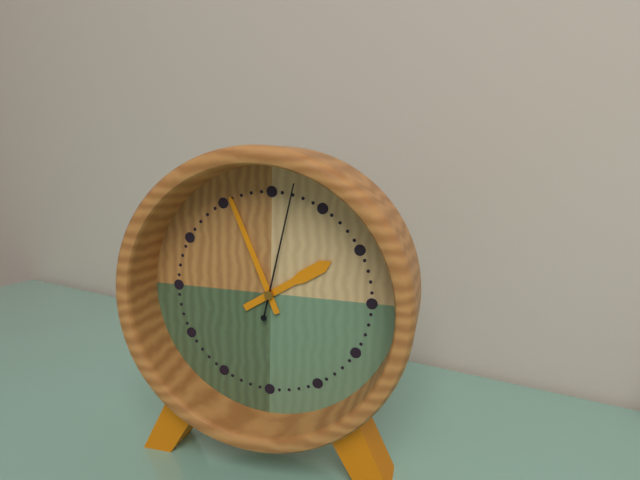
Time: {"hour": 1, "minute": 56, "second": 2}
